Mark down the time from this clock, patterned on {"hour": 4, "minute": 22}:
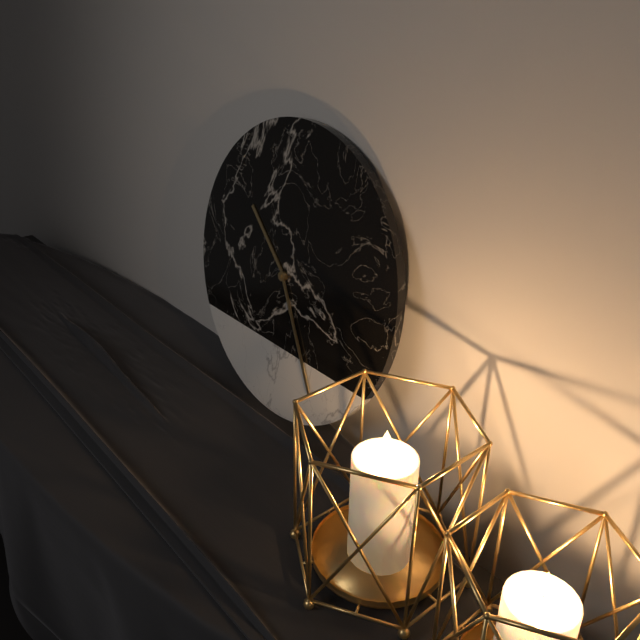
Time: {"hour": 10, "minute": 25}
